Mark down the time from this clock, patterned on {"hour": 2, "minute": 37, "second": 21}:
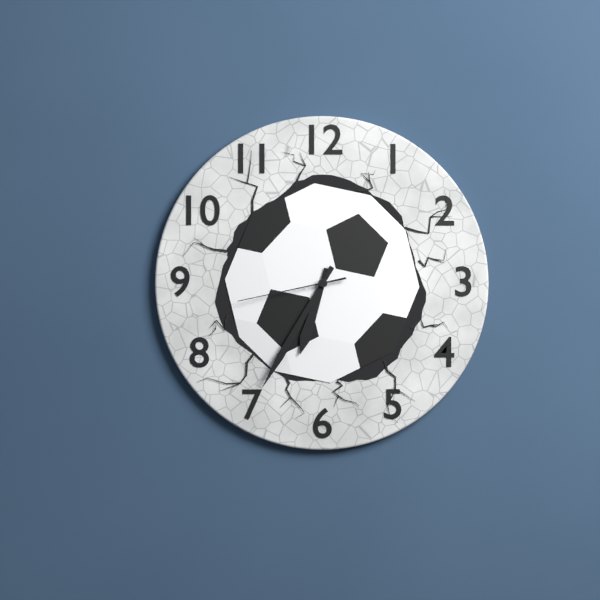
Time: {"hour": 6, "minute": 35, "second": 43}
